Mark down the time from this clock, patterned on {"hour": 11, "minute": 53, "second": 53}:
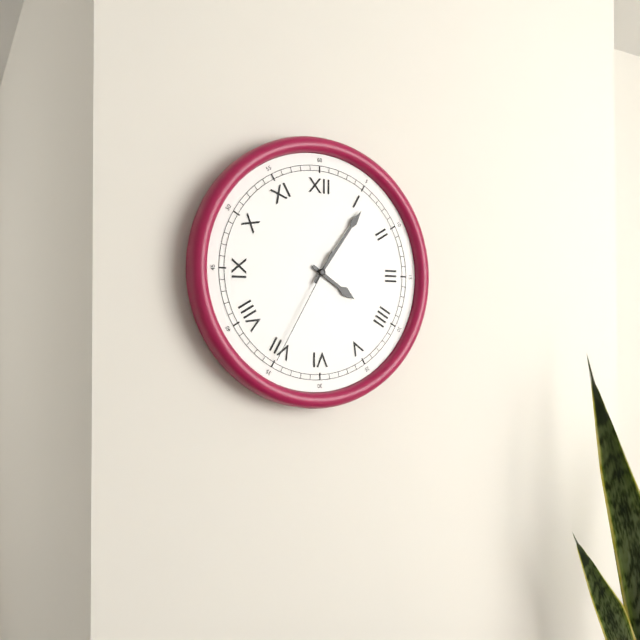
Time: {"hour": 4, "minute": 6, "second": 35}
